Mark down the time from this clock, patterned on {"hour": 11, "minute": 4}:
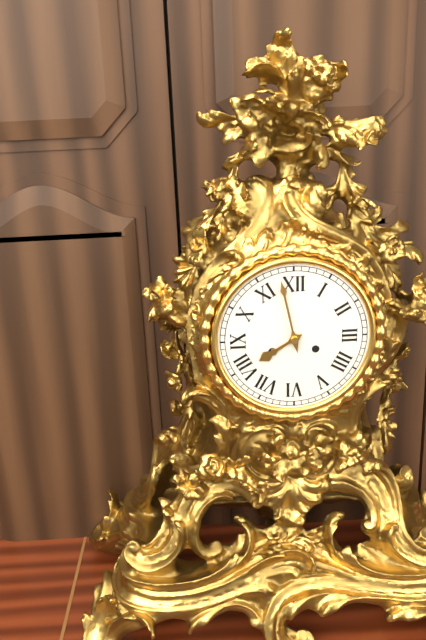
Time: {"hour": 7, "minute": 58}
